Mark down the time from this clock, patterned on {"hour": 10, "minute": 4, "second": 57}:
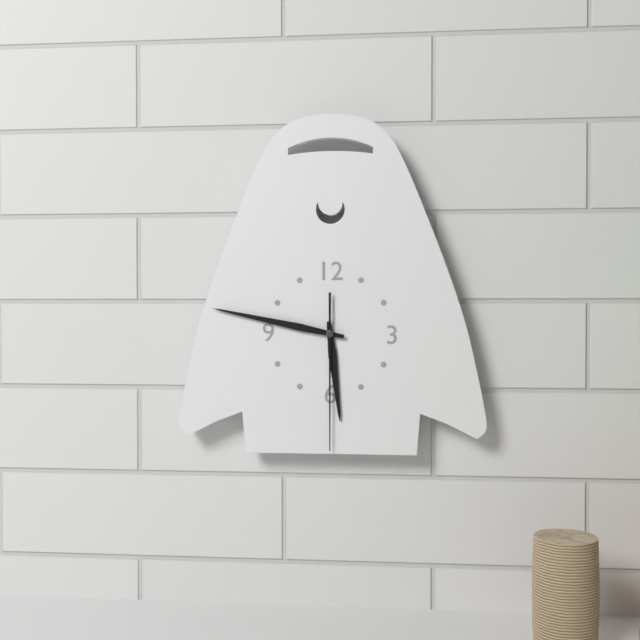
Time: {"hour": 5, "minute": 47, "second": 30}
